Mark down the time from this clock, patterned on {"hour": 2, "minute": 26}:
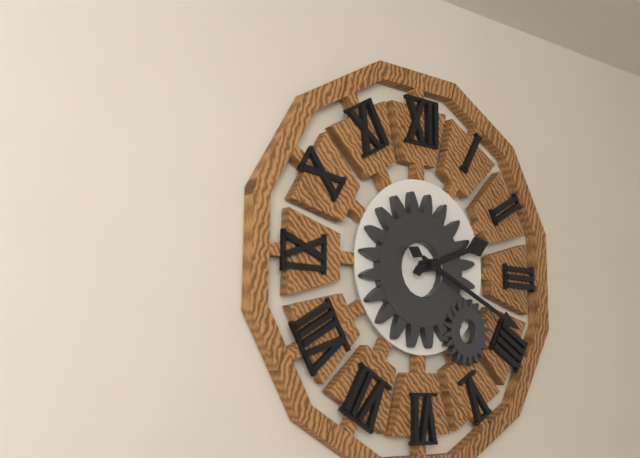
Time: {"hour": 2, "minute": 19}
